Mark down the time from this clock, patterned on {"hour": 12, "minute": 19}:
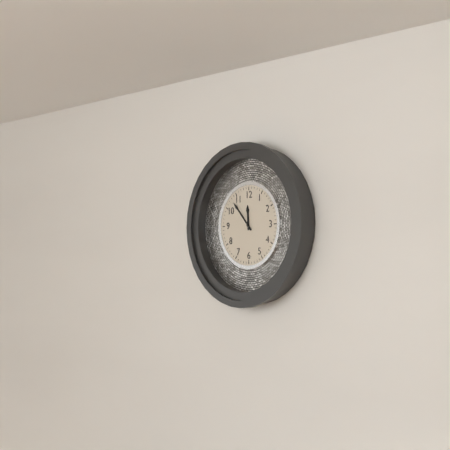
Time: {"hour": 11, "minute": 53}
